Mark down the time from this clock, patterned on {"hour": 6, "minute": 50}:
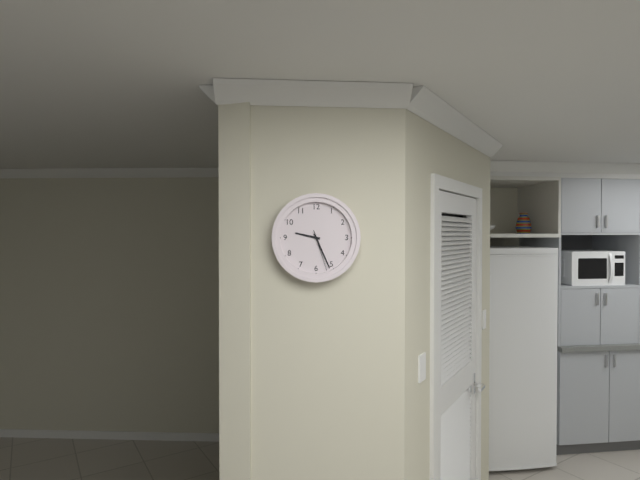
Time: {"hour": 9, "minute": 26}
